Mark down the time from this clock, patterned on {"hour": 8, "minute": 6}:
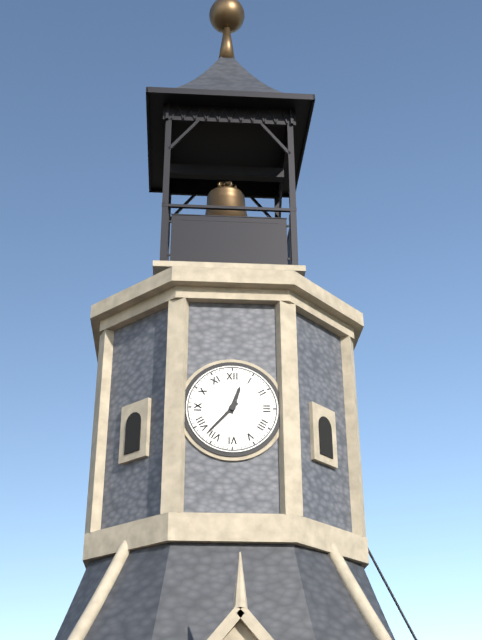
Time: {"hour": 12, "minute": 37}
